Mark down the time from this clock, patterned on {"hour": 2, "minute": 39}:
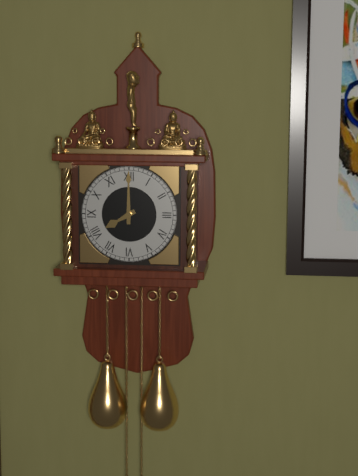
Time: {"hour": 8, "minute": 0}
